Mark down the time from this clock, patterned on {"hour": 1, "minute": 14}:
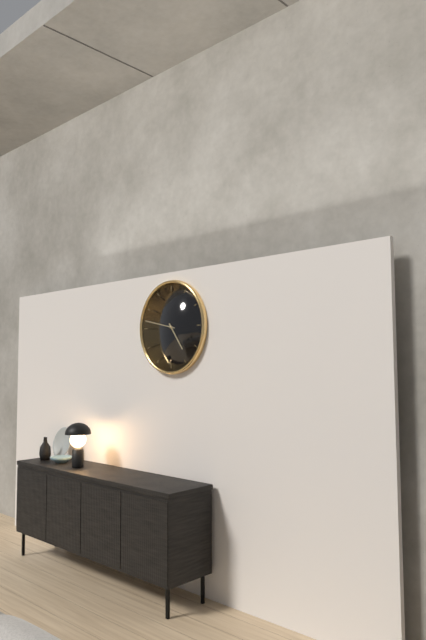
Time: {"hour": 4, "minute": 47}
